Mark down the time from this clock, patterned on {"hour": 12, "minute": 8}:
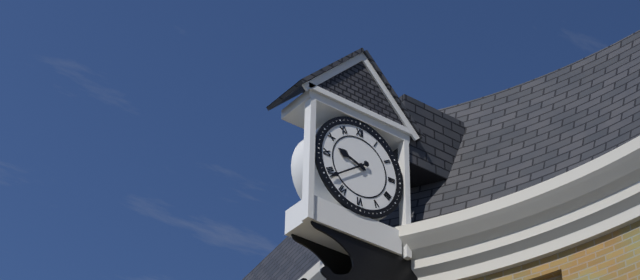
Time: {"hour": 9, "minute": 39}
